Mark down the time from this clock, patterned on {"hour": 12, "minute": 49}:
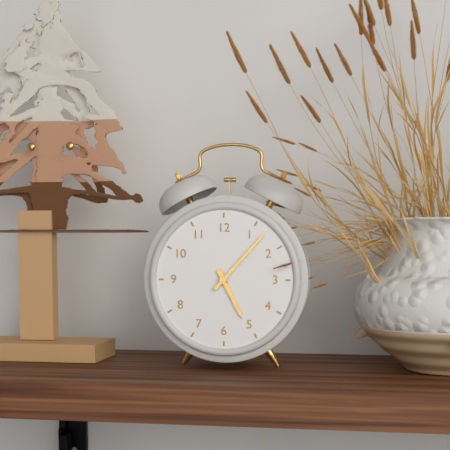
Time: {"hour": 5, "minute": 7}
